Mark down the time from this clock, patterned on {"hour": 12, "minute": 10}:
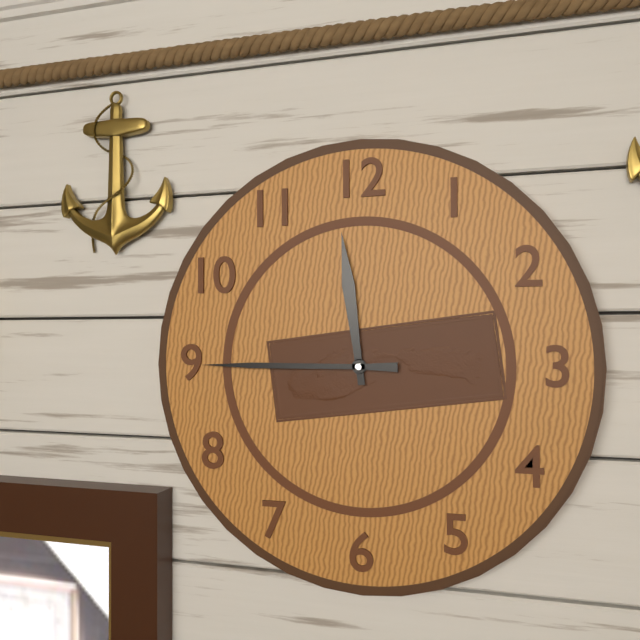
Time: {"hour": 11, "minute": 45}
